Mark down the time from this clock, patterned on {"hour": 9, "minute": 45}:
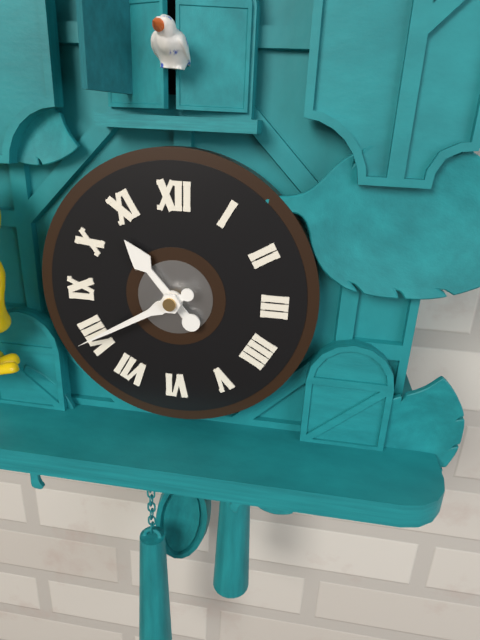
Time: {"hour": 10, "minute": 40}
